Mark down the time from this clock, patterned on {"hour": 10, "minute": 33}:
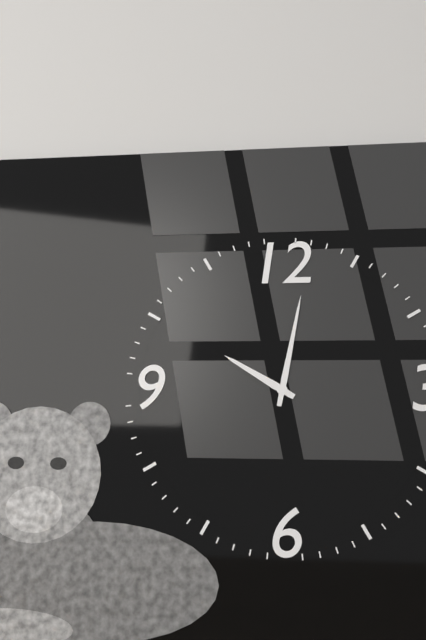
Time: {"hour": 10, "minute": 2}
